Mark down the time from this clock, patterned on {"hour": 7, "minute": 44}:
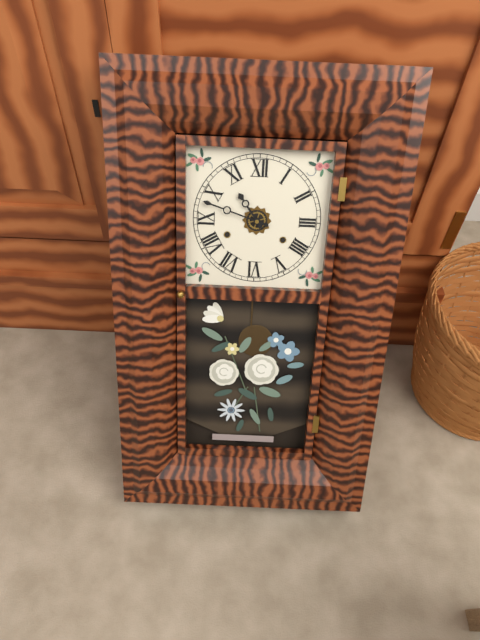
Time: {"hour": 10, "minute": 48}
